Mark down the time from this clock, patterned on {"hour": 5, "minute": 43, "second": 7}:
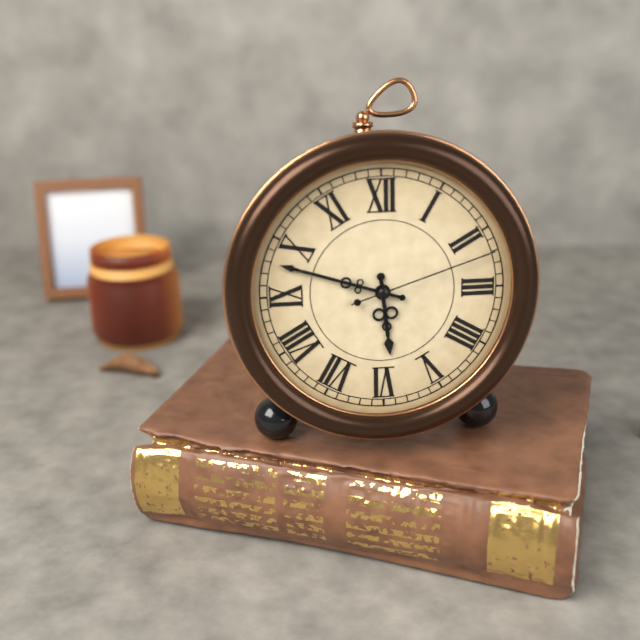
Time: {"hour": 5, "minute": 48, "second": 12}
